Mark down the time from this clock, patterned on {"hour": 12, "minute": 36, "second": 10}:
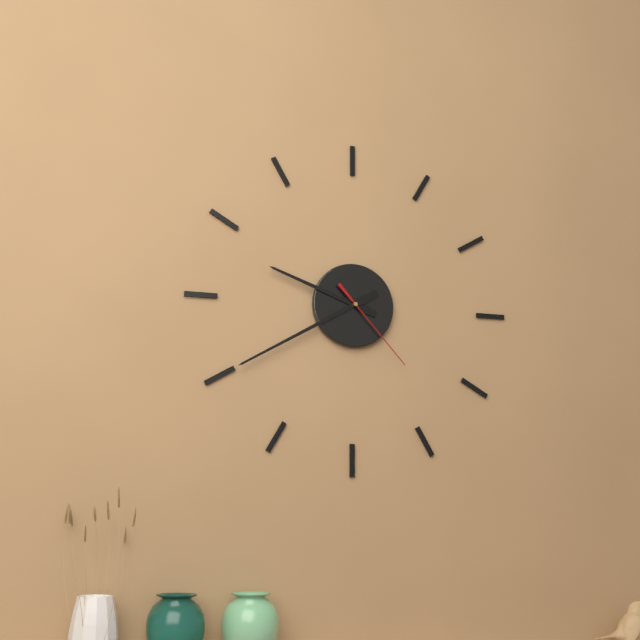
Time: {"hour": 9, "minute": 40, "second": 23}
